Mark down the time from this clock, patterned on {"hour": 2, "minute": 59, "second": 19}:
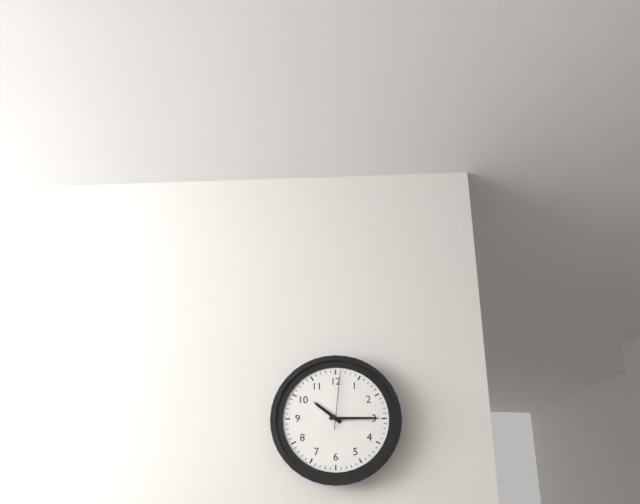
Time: {"hour": 10, "minute": 15, "second": 1}
